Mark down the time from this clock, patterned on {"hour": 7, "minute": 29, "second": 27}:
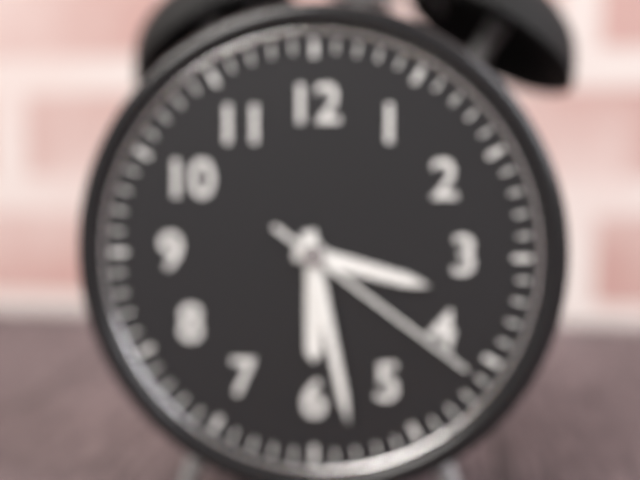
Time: {"hour": 3, "minute": 28, "second": 21}
